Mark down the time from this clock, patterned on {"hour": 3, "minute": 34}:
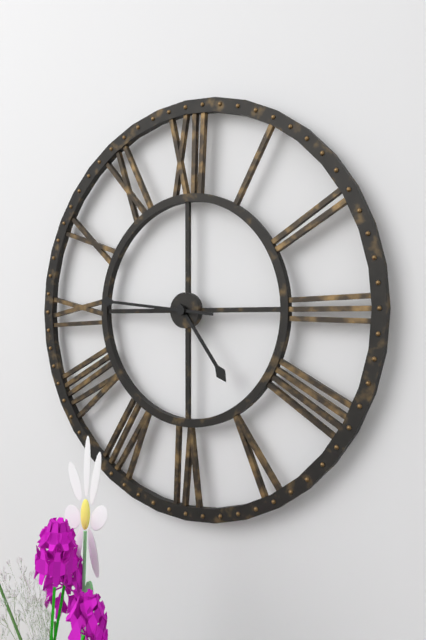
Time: {"hour": 4, "minute": 46}
